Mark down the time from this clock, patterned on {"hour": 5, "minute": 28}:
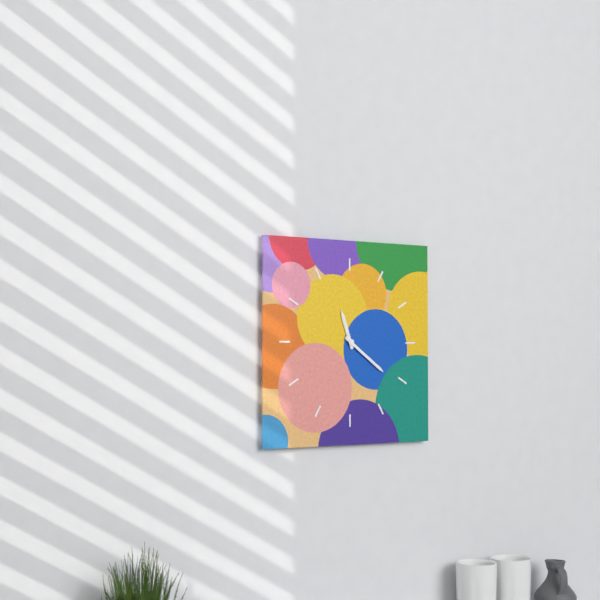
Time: {"hour": 11, "minute": 21}
